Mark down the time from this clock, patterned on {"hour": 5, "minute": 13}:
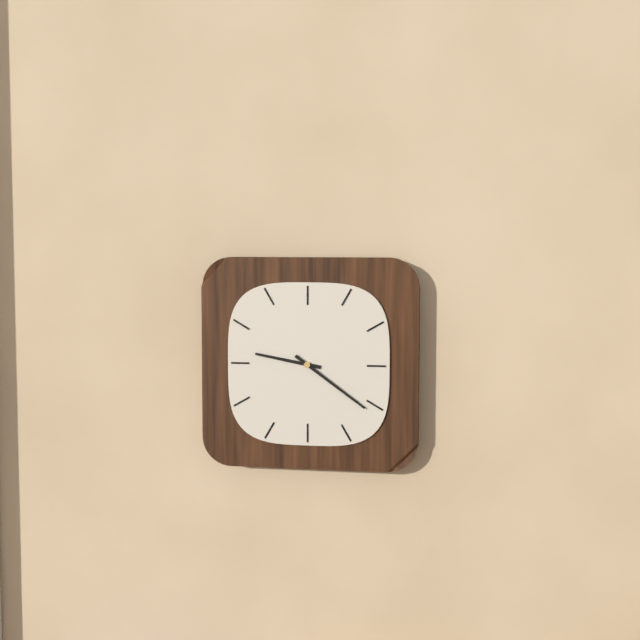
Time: {"hour": 9, "minute": 21}
